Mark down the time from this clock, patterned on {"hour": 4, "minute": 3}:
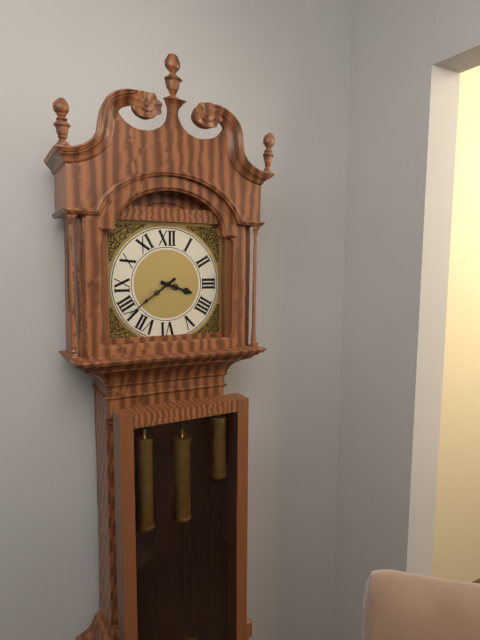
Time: {"hour": 3, "minute": 39}
